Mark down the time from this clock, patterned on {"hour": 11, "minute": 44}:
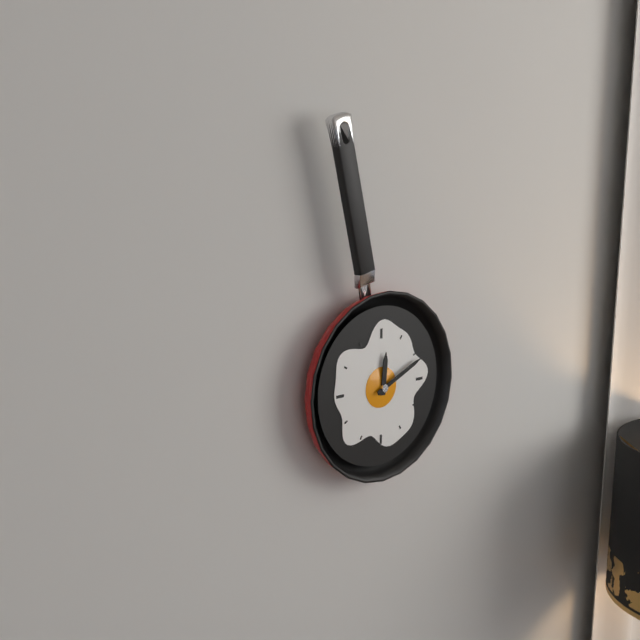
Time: {"hour": 12, "minute": 11}
